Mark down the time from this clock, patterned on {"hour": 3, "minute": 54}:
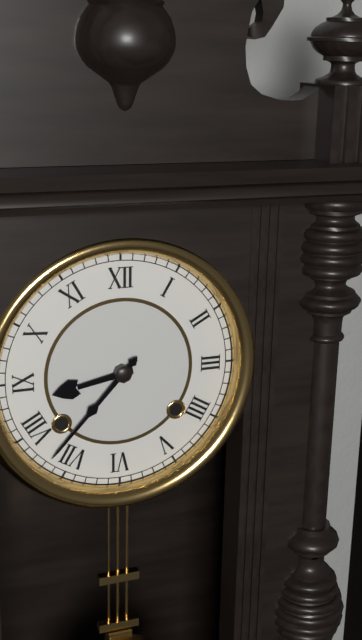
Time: {"hour": 8, "minute": 37}
